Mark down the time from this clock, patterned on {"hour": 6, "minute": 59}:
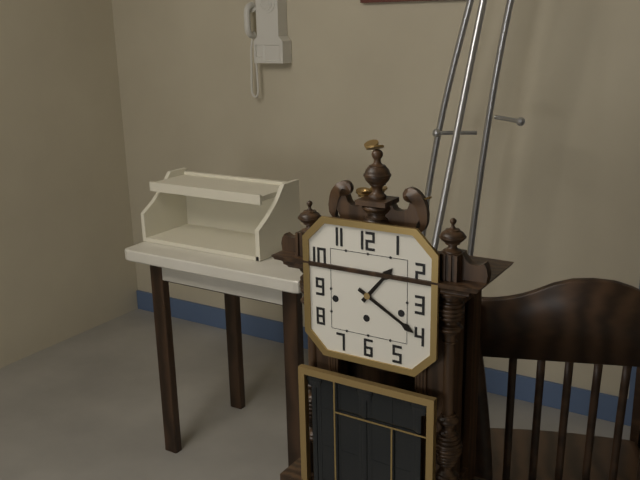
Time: {"hour": 1, "minute": 20}
